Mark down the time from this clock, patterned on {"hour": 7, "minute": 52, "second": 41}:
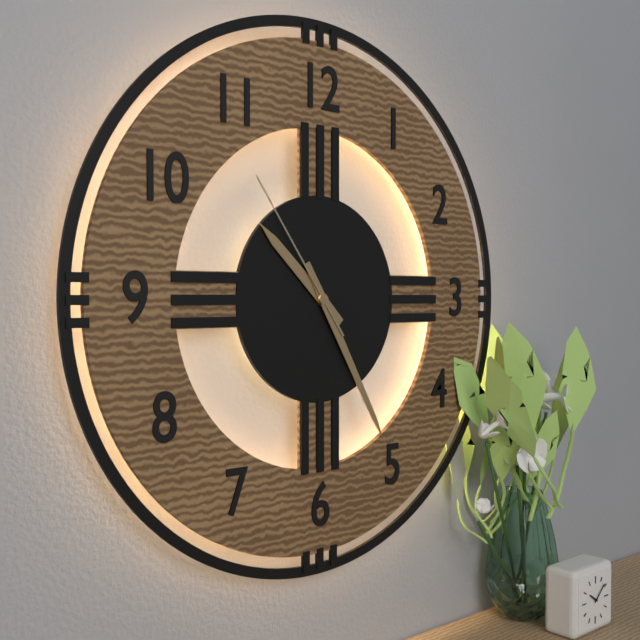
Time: {"hour": 10, "minute": 25, "second": 54}
